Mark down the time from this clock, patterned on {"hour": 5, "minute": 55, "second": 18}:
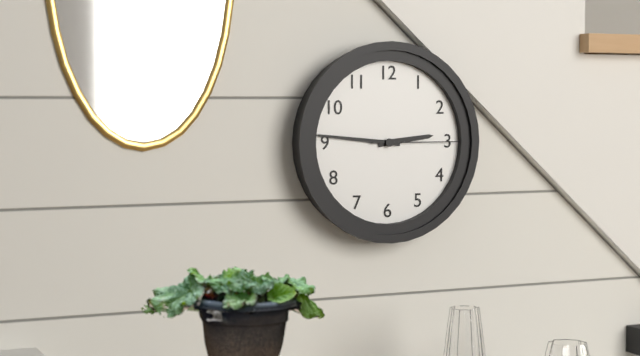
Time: {"hour": 2, "minute": 46, "second": 15}
